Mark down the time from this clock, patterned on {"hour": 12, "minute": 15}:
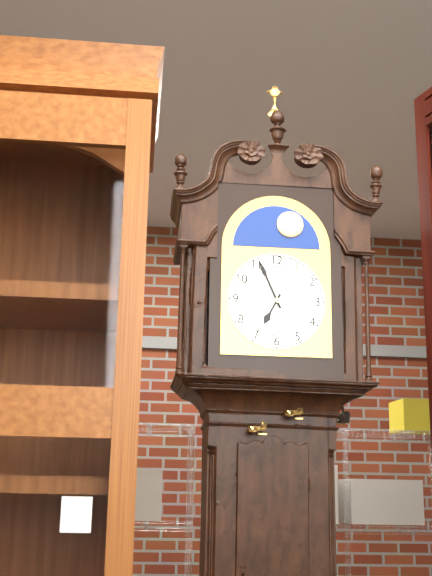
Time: {"hour": 6, "minute": 56}
